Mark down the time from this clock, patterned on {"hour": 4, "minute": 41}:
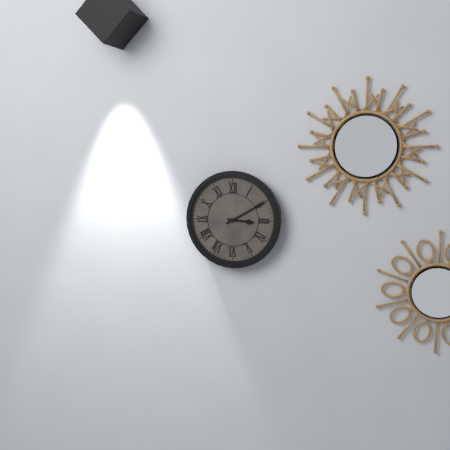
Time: {"hour": 3, "minute": 10}
